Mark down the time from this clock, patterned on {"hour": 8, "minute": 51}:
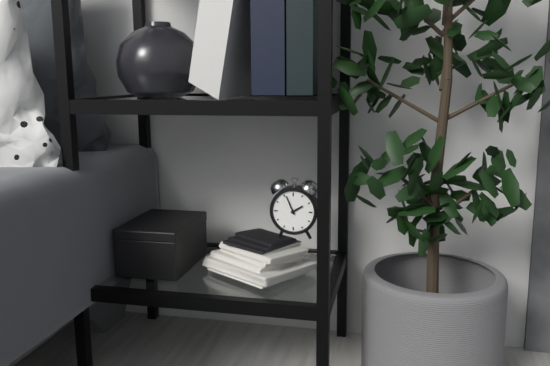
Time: {"hour": 1, "minute": 56}
